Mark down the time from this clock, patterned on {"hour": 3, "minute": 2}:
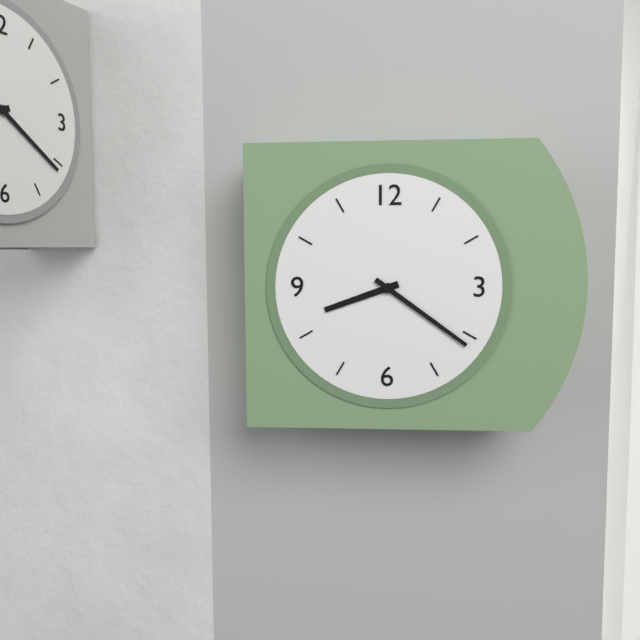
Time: {"hour": 8, "minute": 21}
